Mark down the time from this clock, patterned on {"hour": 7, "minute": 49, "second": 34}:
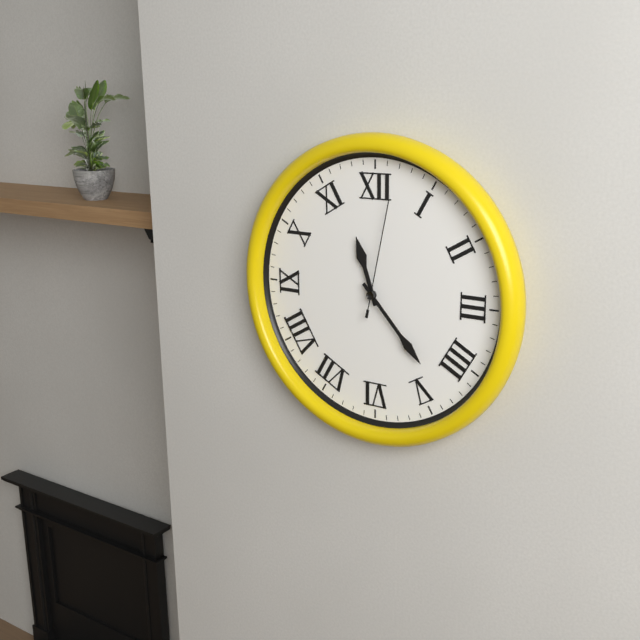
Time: {"hour": 11, "minute": 23, "second": 2}
